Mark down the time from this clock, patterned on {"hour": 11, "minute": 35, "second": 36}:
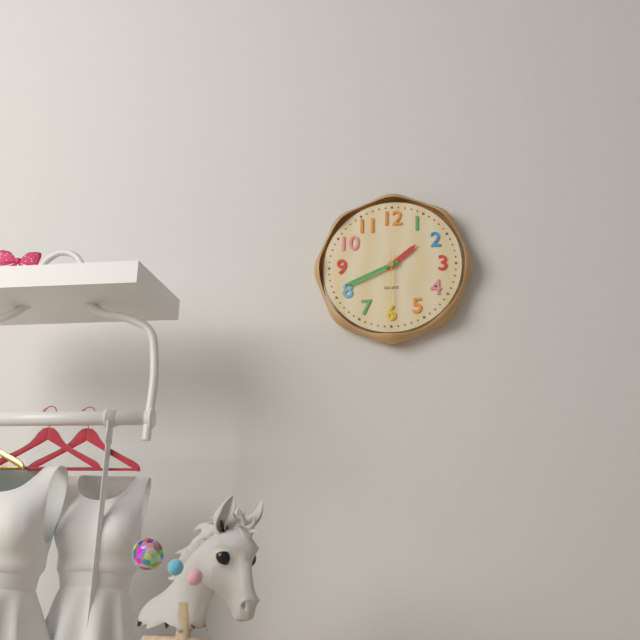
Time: {"hour": 1, "minute": 41, "second": 30}
